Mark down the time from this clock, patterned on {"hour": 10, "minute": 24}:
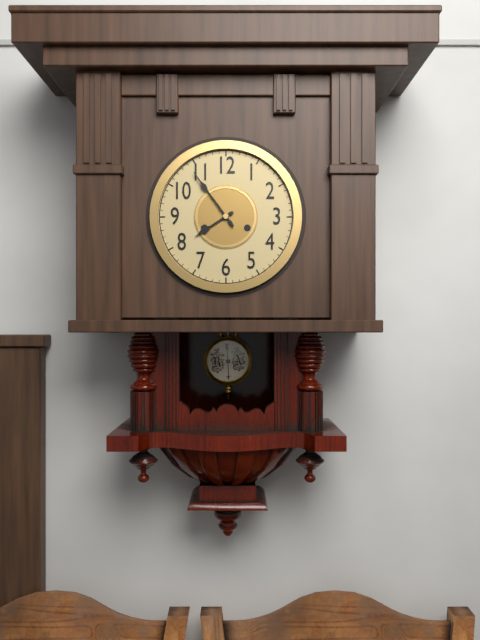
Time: {"hour": 7, "minute": 54}
